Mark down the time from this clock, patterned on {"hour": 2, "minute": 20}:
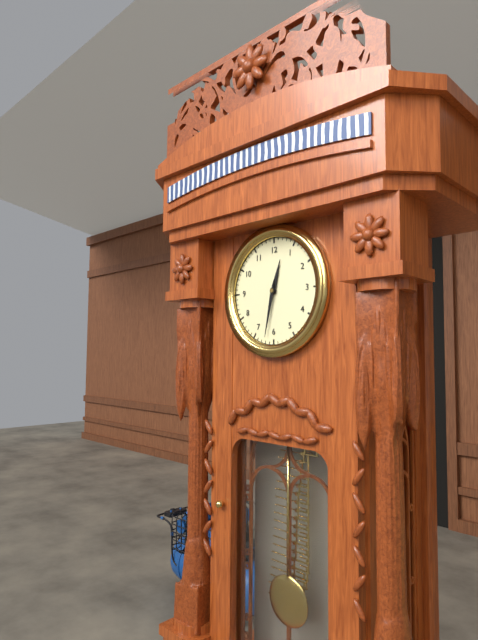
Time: {"hour": 12, "minute": 32}
